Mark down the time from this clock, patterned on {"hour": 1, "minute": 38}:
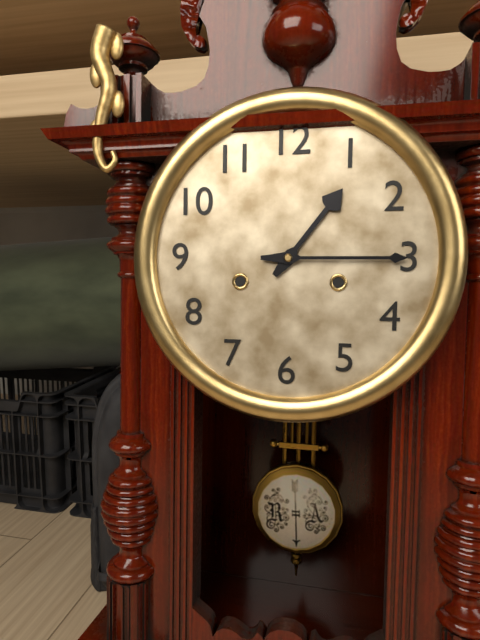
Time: {"hour": 1, "minute": 15}
